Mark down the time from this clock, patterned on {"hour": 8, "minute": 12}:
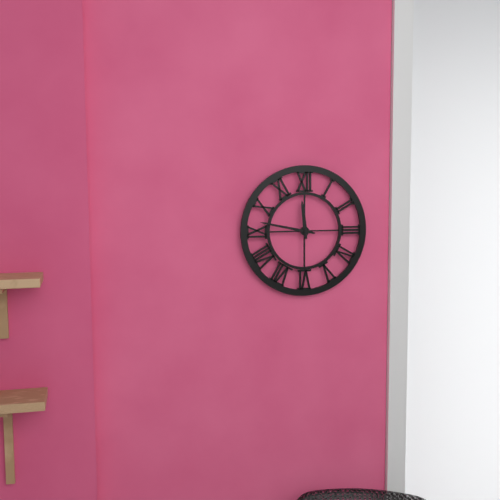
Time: {"hour": 11, "minute": 47}
